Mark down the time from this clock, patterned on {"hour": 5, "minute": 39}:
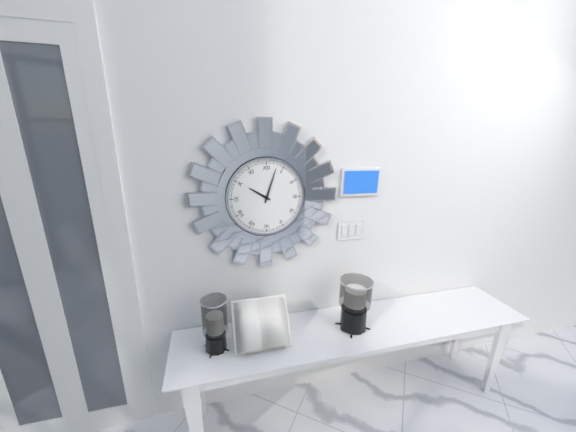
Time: {"hour": 10, "minute": 3}
